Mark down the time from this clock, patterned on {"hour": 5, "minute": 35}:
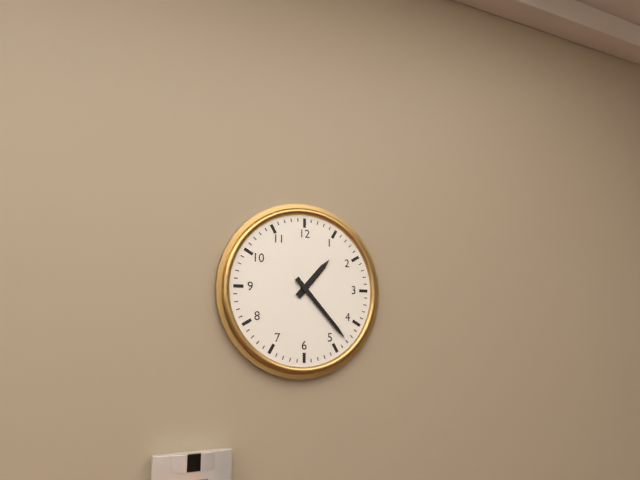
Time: {"hour": 1, "minute": 23}
